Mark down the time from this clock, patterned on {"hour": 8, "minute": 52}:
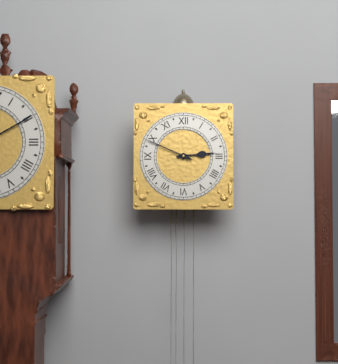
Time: {"hour": 2, "minute": 49}
